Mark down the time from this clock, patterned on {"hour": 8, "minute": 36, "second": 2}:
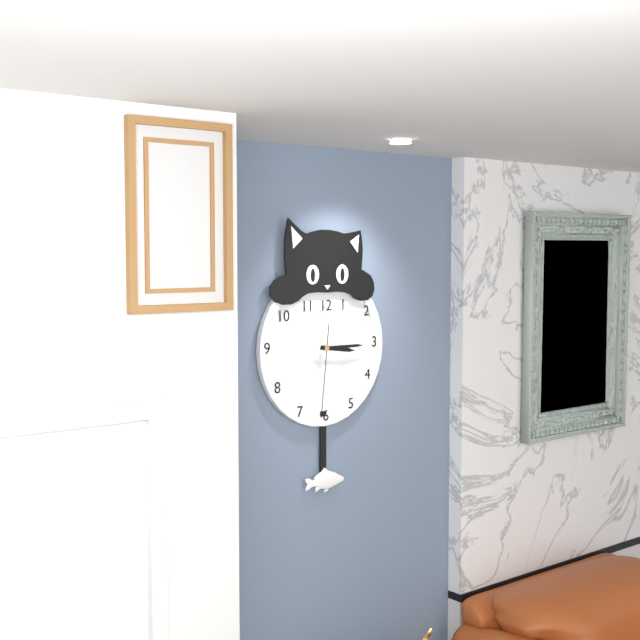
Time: {"hour": 3, "minute": 15, "second": 31}
